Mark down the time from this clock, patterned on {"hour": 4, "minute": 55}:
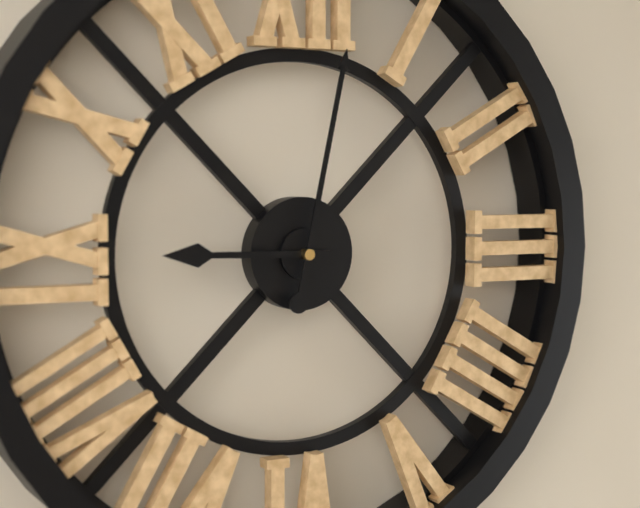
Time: {"hour": 9, "minute": 2}
